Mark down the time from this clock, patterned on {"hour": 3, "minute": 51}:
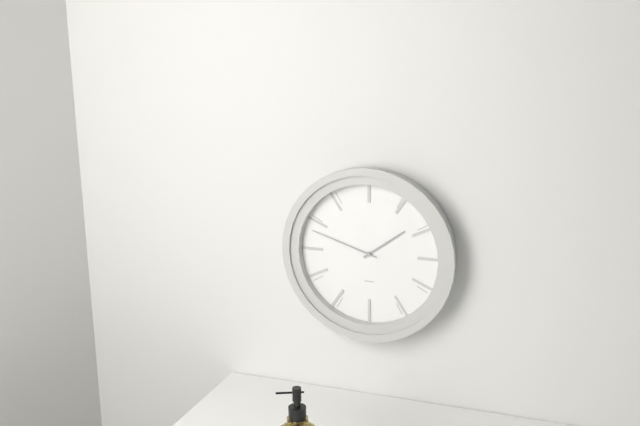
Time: {"hour": 1, "minute": 48}
